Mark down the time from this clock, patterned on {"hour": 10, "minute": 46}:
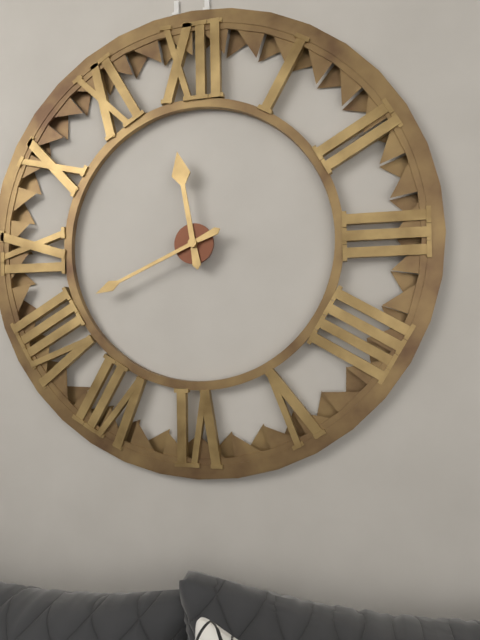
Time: {"hour": 11, "minute": 41}
